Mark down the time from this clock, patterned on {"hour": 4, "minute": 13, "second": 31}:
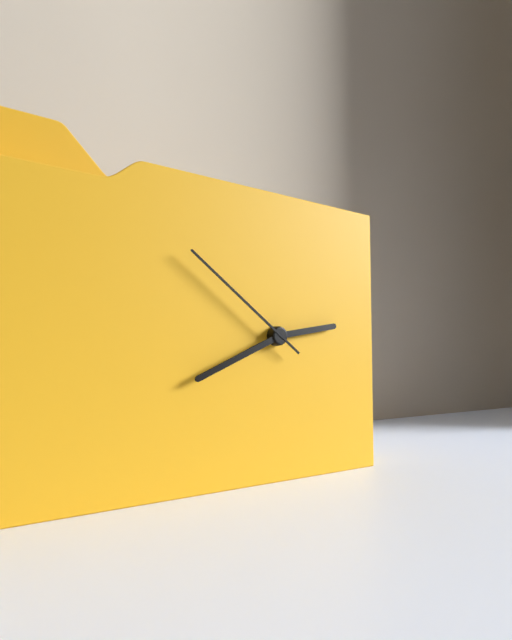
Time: {"hour": 2, "minute": 41, "second": 51}
